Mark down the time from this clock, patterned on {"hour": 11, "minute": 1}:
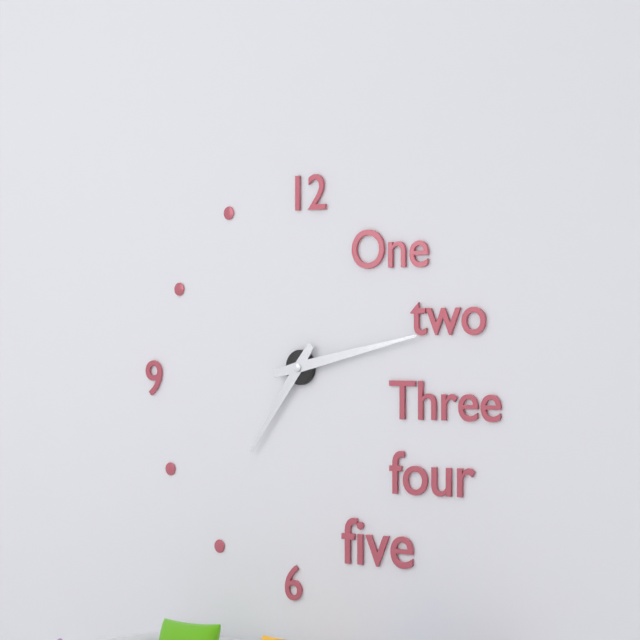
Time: {"hour": 7, "minute": 13}
